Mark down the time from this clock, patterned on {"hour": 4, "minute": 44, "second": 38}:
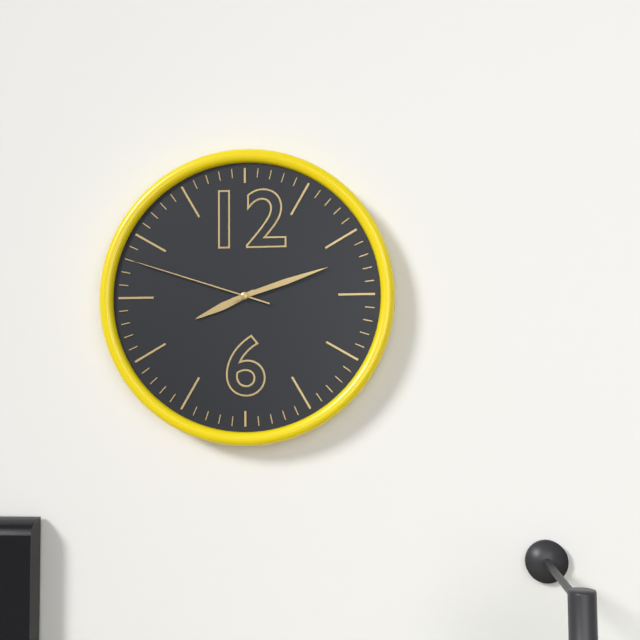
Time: {"hour": 8, "minute": 12, "second": 48}
